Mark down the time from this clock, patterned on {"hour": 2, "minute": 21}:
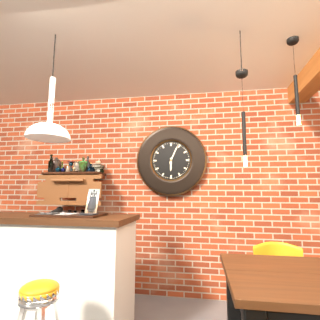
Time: {"hour": 6, "minute": 4}
